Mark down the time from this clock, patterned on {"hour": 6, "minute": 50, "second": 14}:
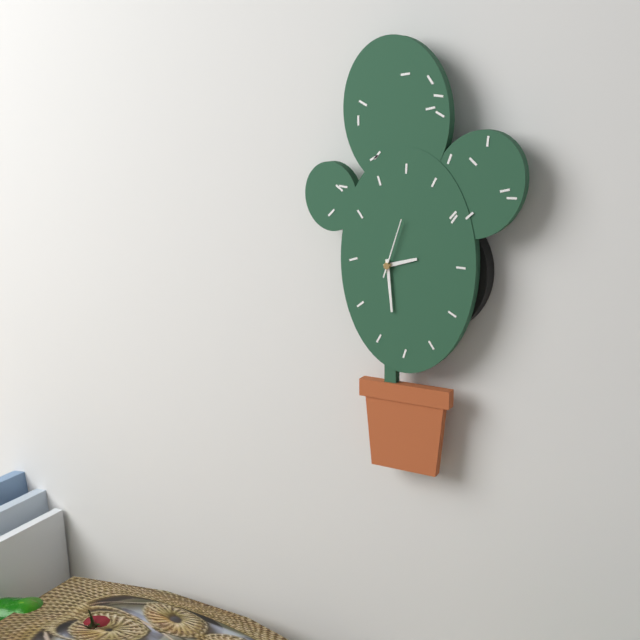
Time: {"hour": 2, "minute": 29, "second": 3}
